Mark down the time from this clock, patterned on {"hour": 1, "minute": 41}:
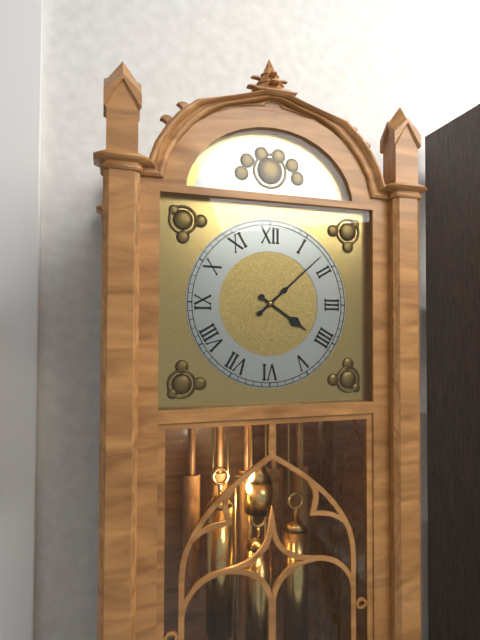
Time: {"hour": 4, "minute": 8}
